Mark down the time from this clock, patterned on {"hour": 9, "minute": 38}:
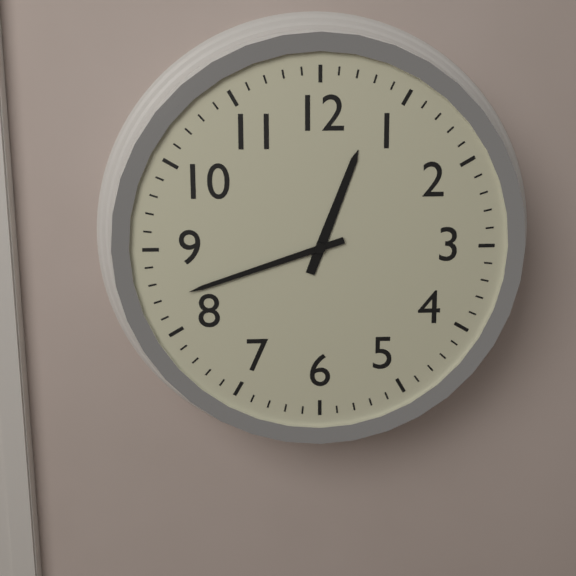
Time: {"hour": 12, "minute": 42}
